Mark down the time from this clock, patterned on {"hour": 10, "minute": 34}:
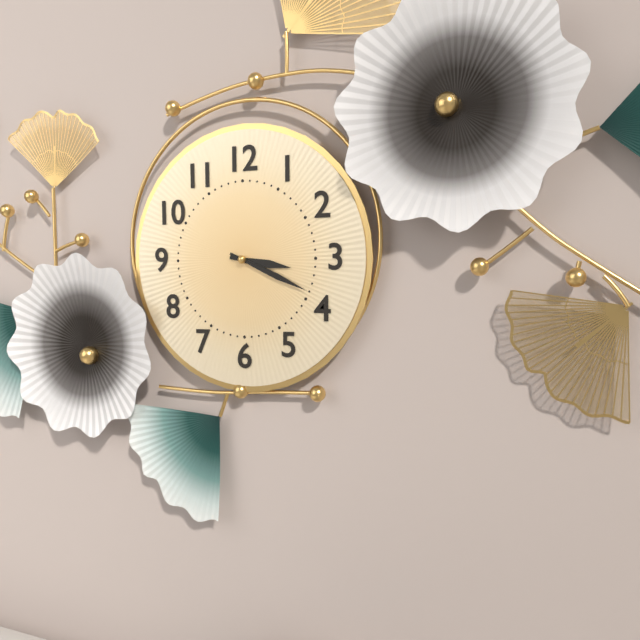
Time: {"hour": 3, "minute": 19}
